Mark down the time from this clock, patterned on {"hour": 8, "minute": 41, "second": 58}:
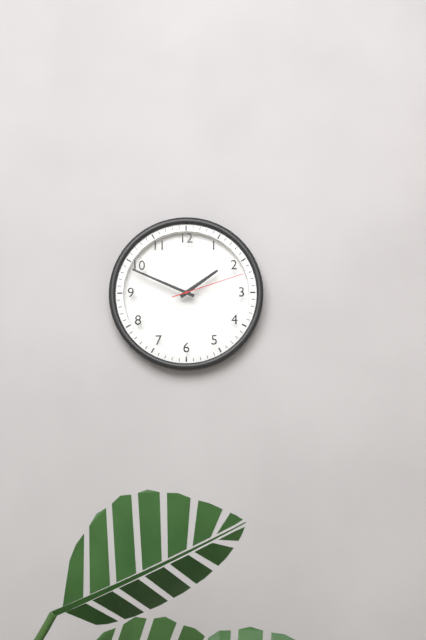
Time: {"hour": 1, "minute": 49, "second": 12}
